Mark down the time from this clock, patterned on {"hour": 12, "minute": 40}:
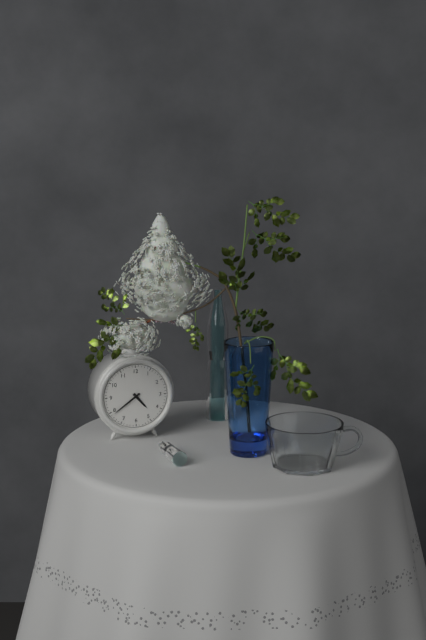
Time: {"hour": 4, "minute": 39}
